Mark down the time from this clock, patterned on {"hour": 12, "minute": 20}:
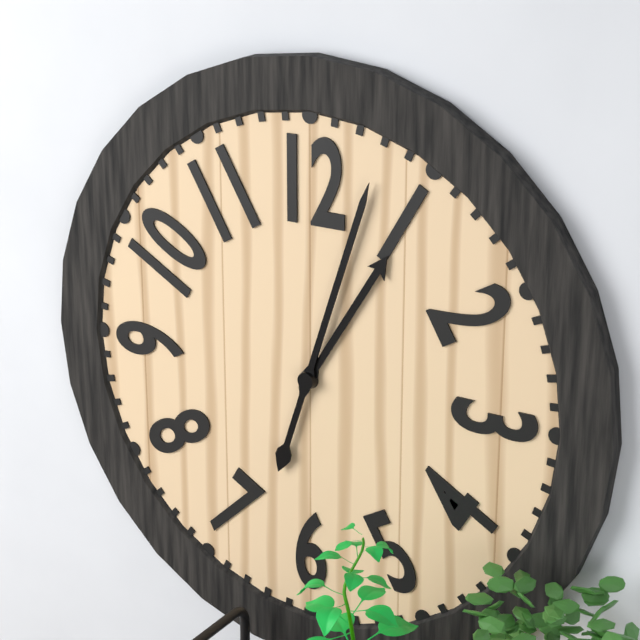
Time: {"hour": 1, "minute": 3}
